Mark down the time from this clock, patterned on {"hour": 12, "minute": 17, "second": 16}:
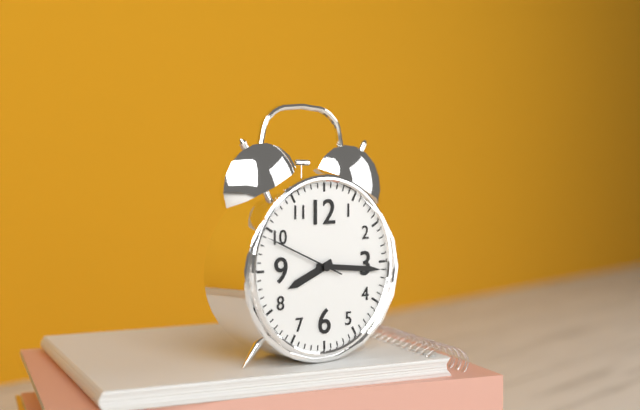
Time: {"hour": 8, "minute": 16, "second": 49}
